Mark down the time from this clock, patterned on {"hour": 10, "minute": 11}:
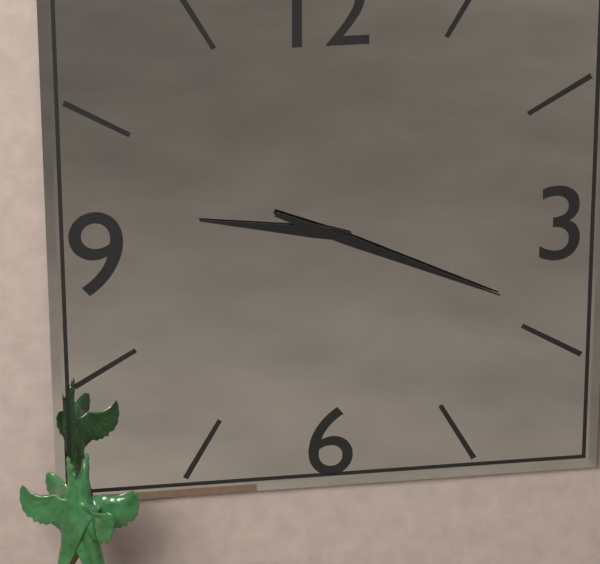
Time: {"hour": 9, "minute": 19}
